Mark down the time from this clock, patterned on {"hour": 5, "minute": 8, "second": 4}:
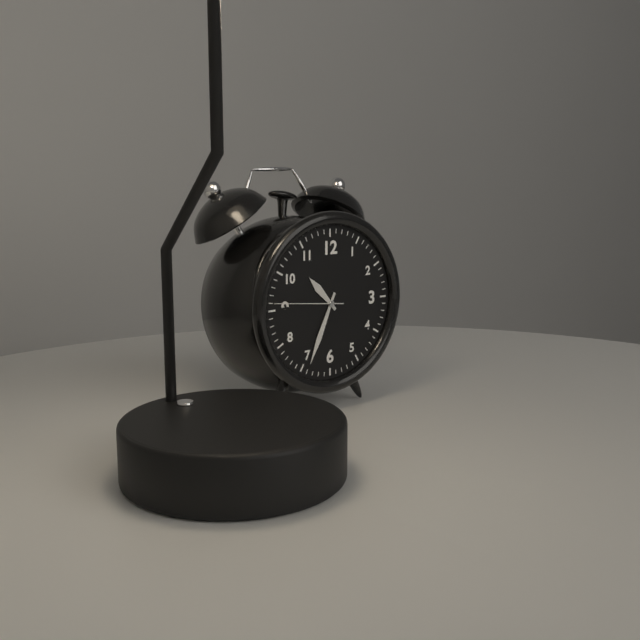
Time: {"hour": 10, "minute": 34, "second": 46}
